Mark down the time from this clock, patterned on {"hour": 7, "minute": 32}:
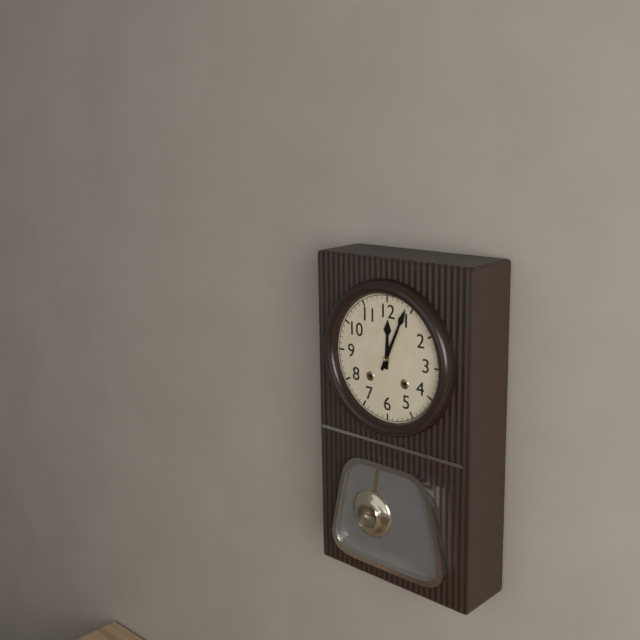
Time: {"hour": 12, "minute": 4}
